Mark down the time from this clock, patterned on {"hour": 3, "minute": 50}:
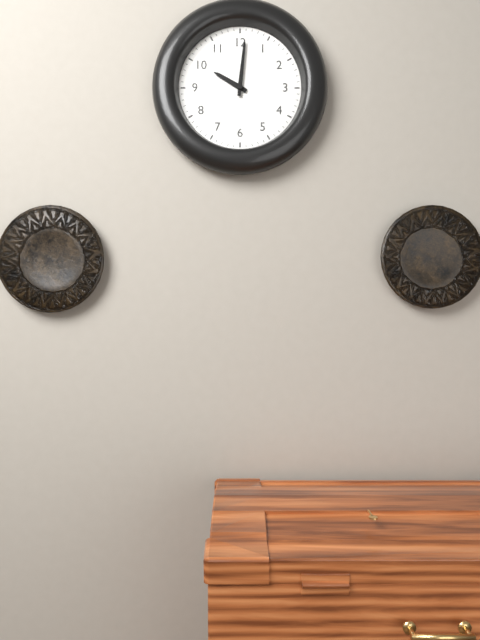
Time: {"hour": 10, "minute": 1}
